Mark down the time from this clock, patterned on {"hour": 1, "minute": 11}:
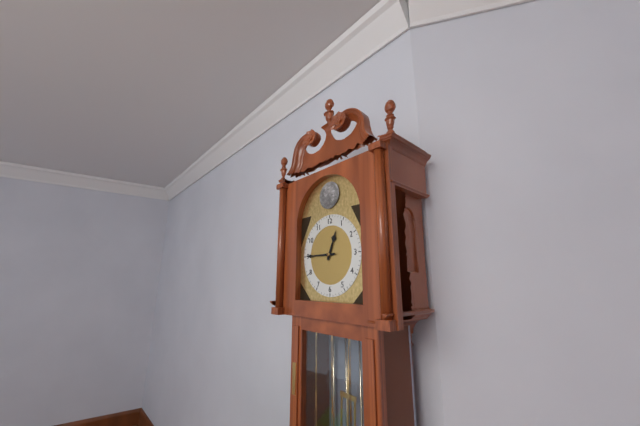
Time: {"hour": 12, "minute": 45}
